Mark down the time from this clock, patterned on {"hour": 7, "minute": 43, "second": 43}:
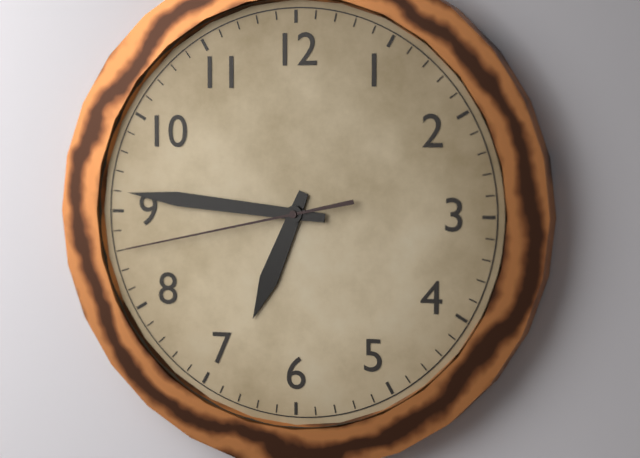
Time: {"hour": 6, "minute": 46, "second": 43}
